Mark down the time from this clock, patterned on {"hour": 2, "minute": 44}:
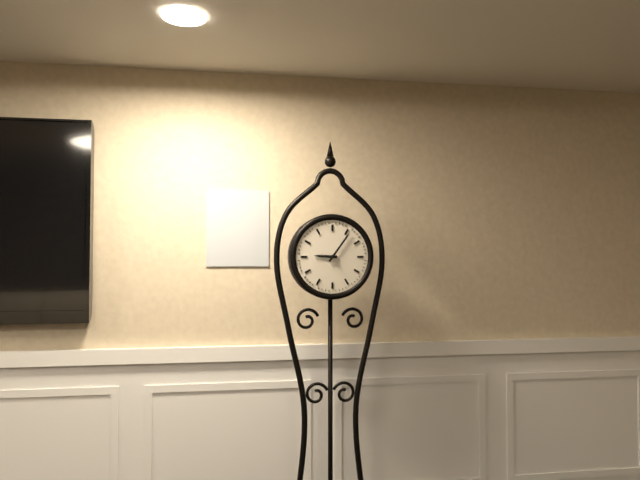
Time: {"hour": 9, "minute": 6}
